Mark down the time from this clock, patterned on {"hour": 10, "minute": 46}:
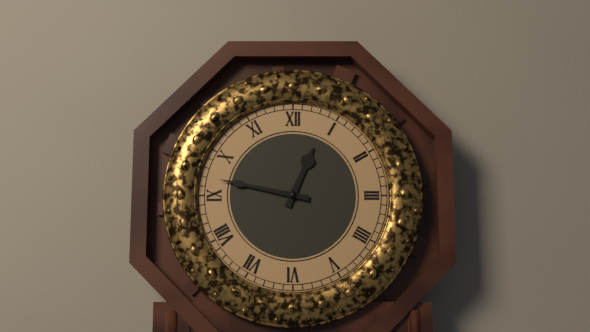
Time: {"hour": 12, "minute": 47}
